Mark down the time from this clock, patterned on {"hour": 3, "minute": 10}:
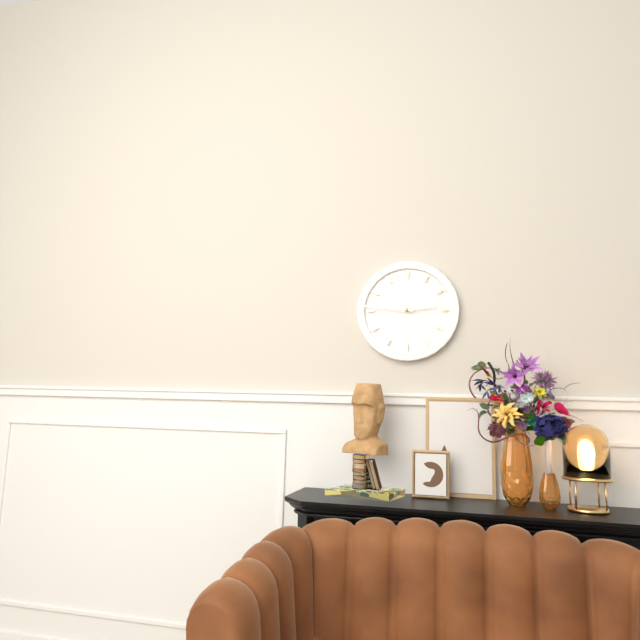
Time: {"hour": 2, "minute": 46}
